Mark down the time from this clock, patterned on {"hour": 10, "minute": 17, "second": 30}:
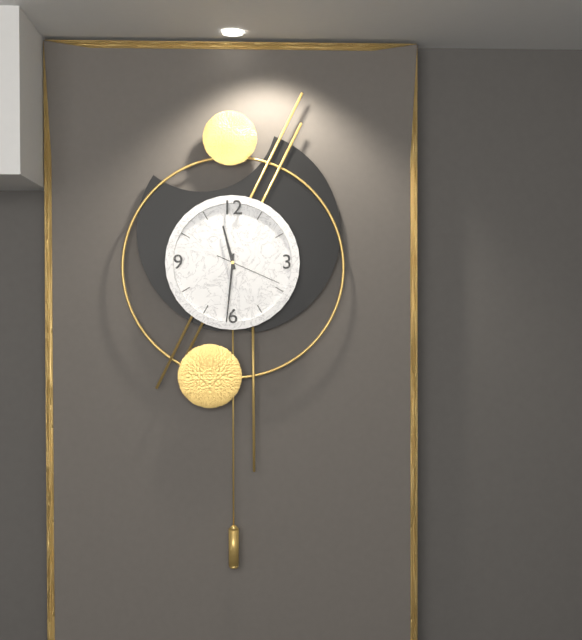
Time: {"hour": 11, "minute": 31, "second": 19}
